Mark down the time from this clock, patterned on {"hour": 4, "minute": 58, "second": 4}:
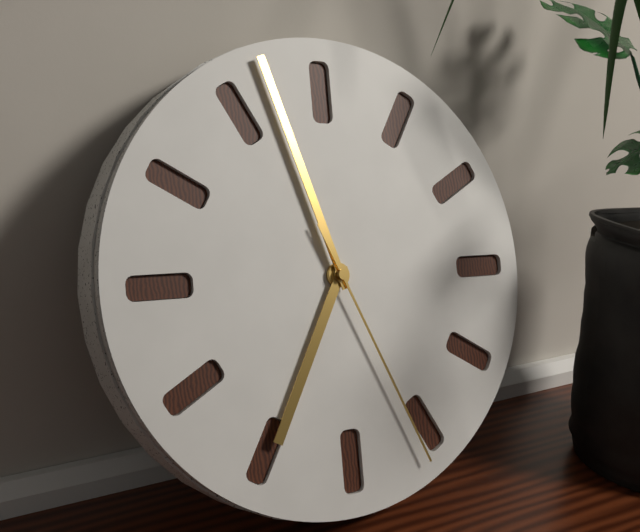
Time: {"hour": 6, "minute": 57, "second": 26}
